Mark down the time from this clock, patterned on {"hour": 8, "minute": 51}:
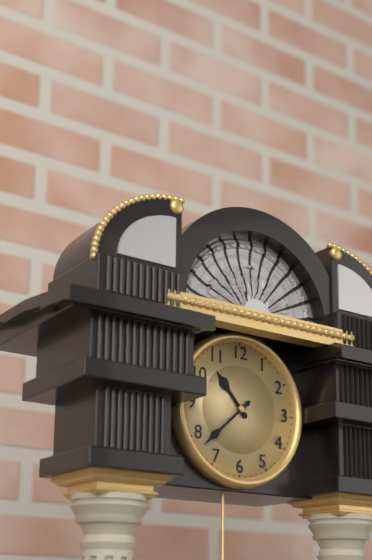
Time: {"hour": 10, "minute": 38}
